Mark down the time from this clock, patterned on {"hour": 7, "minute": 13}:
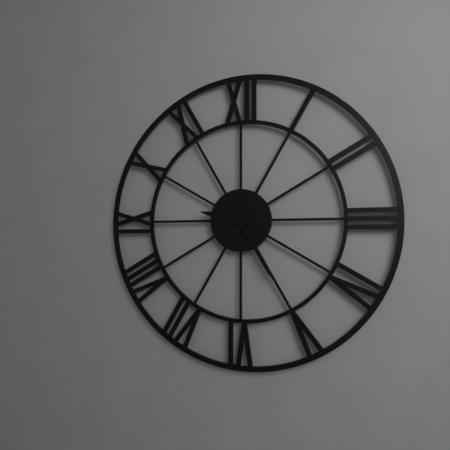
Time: {"hour": 9, "minute": 25}
